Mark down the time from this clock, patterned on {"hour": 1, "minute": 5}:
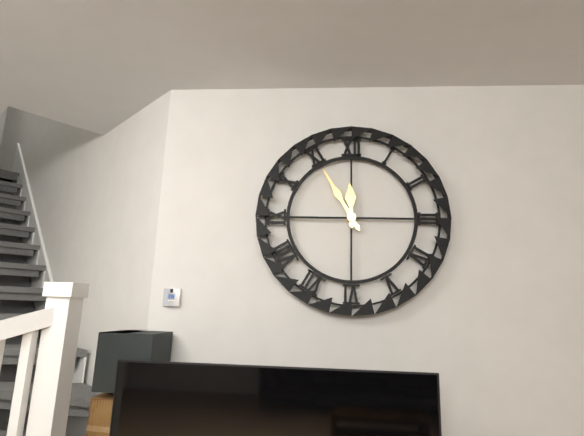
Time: {"hour": 11, "minute": 55}
